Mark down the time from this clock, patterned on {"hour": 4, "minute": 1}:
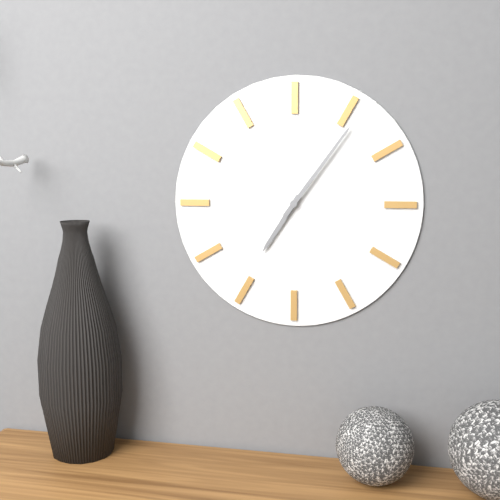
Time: {"hour": 7, "minute": 6}
